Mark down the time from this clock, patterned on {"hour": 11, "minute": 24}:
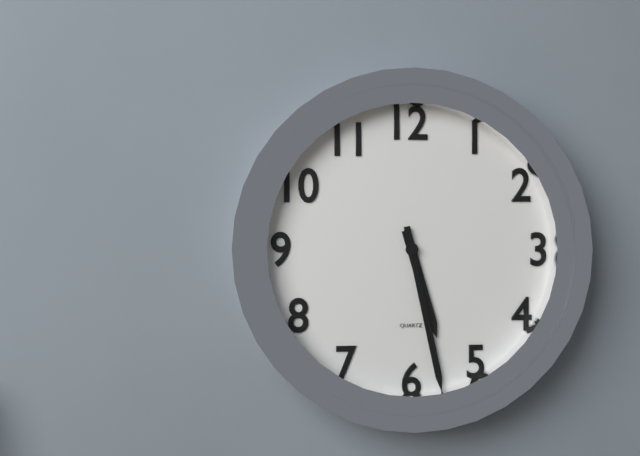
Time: {"hour": 5, "minute": 28}
